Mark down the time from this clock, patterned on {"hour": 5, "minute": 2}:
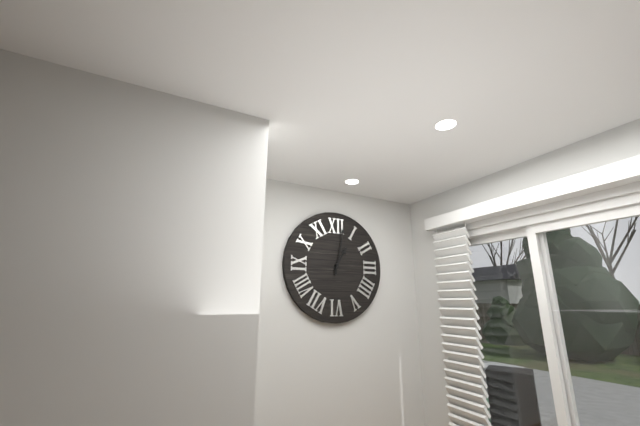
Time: {"hour": 1, "minute": 2}
